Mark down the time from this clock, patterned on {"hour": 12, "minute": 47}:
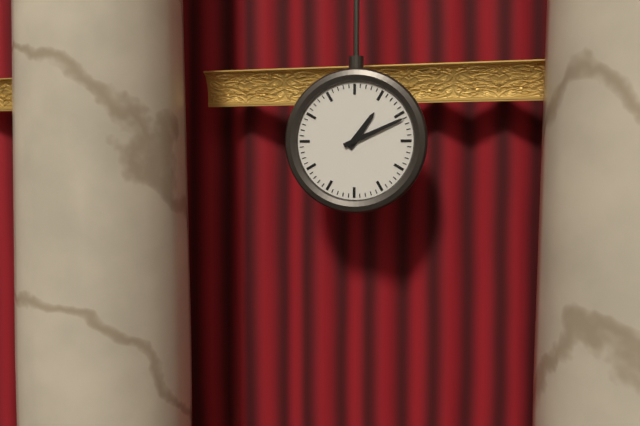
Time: {"hour": 1, "minute": 11}
